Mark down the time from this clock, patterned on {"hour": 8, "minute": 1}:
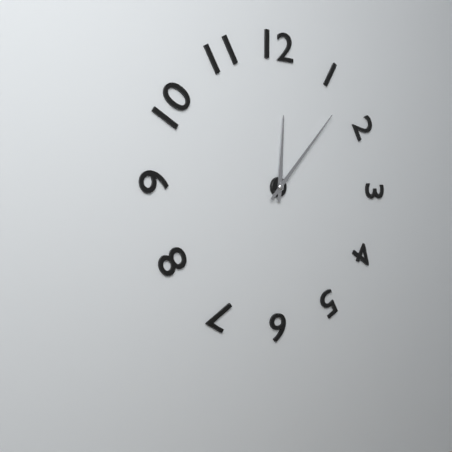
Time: {"hour": 12, "minute": 7}
